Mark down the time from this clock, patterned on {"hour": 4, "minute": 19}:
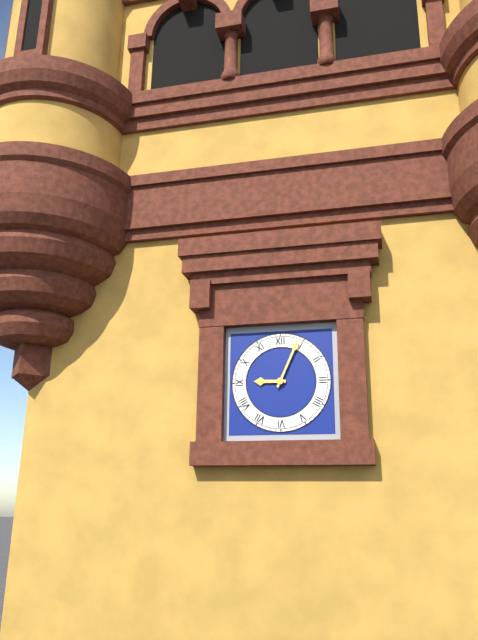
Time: {"hour": 9, "minute": 4}
